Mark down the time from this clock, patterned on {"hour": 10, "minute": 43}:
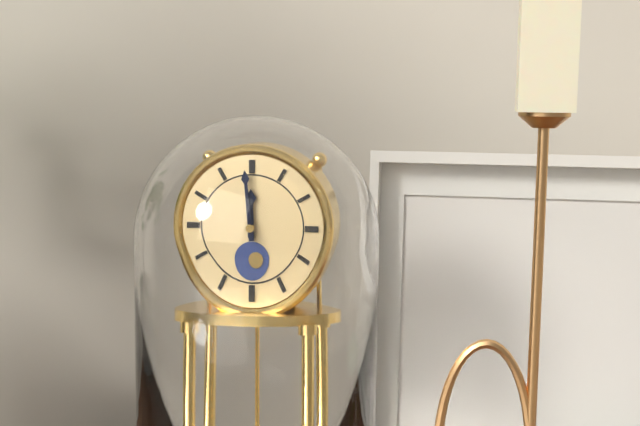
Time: {"hour": 11, "minute": 59}
